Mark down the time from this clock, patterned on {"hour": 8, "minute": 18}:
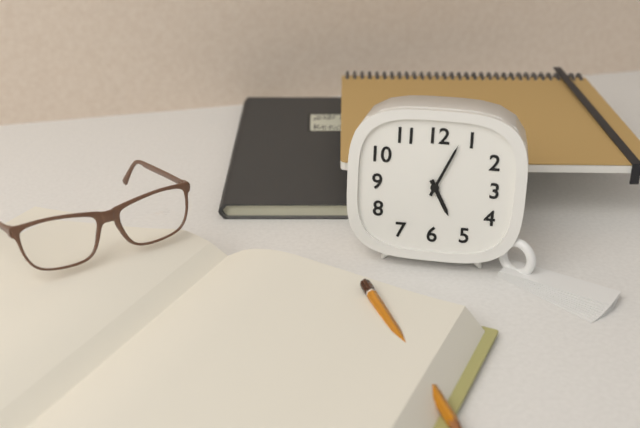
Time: {"hour": 5, "minute": 4}
